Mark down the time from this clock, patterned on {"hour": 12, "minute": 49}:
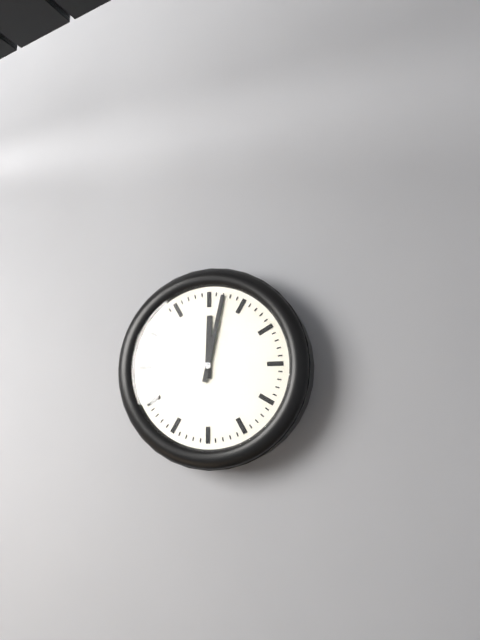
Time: {"hour": 12, "minute": 2}
